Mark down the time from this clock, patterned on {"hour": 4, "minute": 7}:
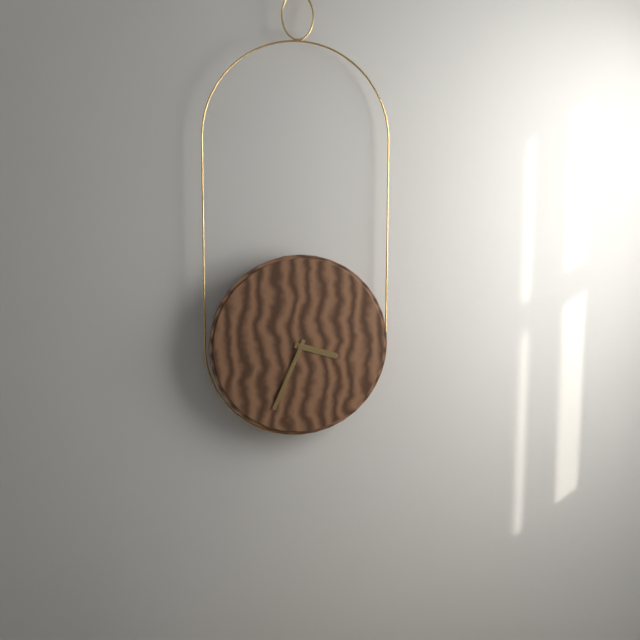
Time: {"hour": 3, "minute": 34}
